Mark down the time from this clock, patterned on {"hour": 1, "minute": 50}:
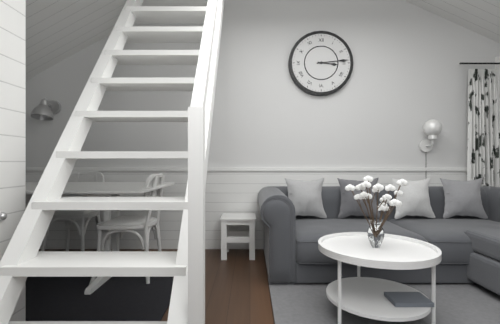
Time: {"hour": 3, "minute": 14}
